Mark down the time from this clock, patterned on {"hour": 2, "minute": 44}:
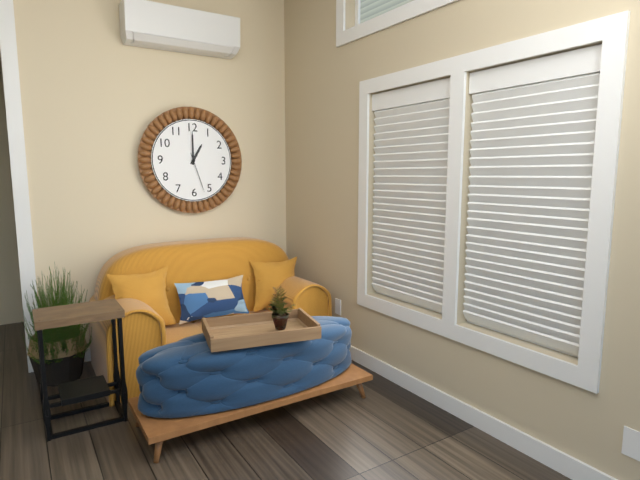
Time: {"hour": 1, "minute": 0}
